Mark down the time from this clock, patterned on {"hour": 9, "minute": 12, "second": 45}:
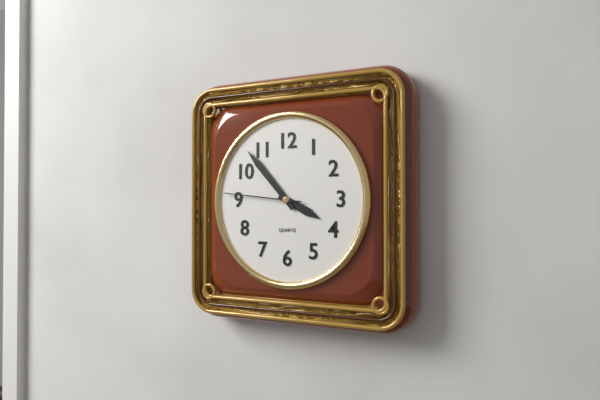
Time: {"hour": 3, "minute": 53, "second": 46}
